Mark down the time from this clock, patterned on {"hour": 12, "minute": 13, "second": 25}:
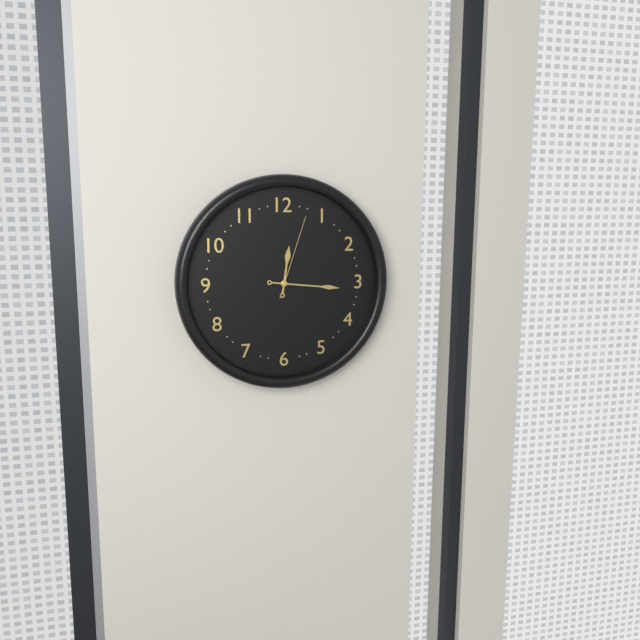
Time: {"hour": 12, "minute": 16, "second": 3}
